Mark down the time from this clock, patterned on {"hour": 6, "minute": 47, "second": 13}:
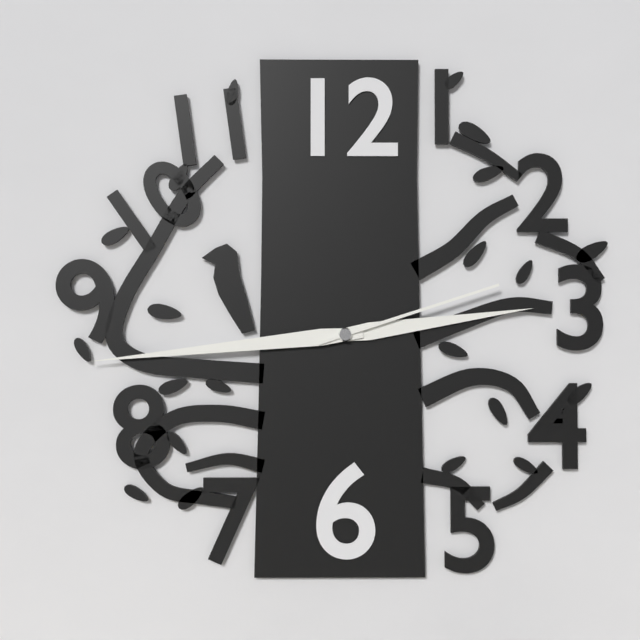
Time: {"hour": 2, "minute": 44, "second": 12}
